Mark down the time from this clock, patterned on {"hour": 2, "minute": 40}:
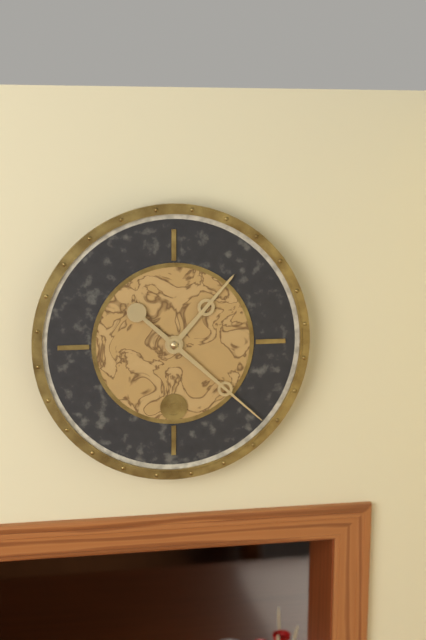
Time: {"hour": 1, "minute": 22}
